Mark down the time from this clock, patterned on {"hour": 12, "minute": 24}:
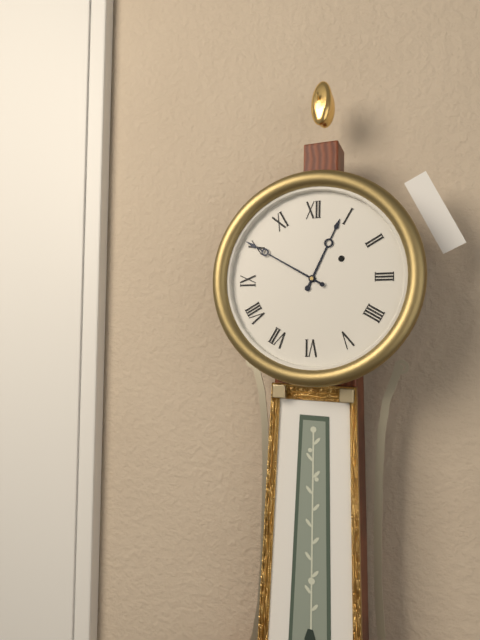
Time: {"hour": 12, "minute": 50}
